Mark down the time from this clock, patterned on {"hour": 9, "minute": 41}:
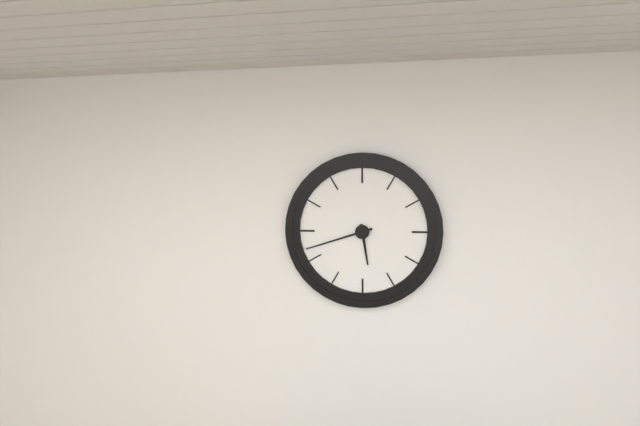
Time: {"hour": 5, "minute": 42}
